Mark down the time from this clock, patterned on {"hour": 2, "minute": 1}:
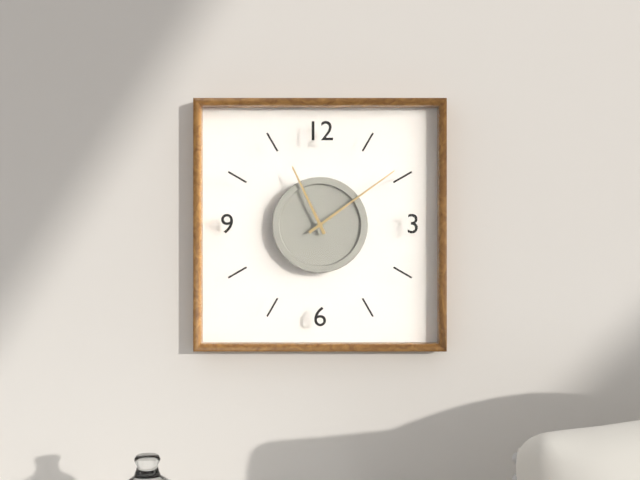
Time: {"hour": 11, "minute": 9}
